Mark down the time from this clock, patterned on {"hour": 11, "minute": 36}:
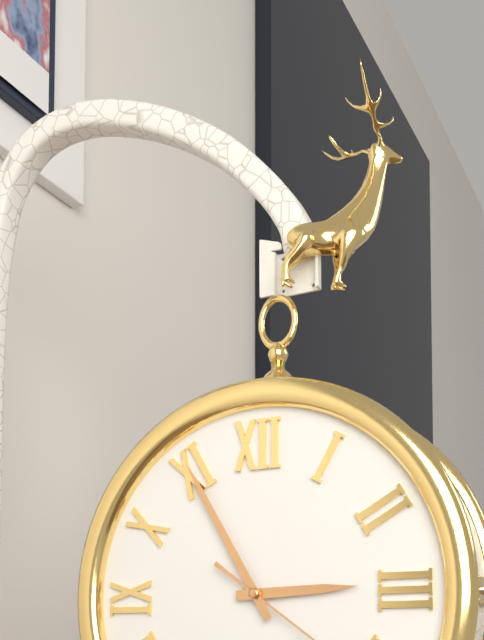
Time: {"hour": 2, "minute": 55}
